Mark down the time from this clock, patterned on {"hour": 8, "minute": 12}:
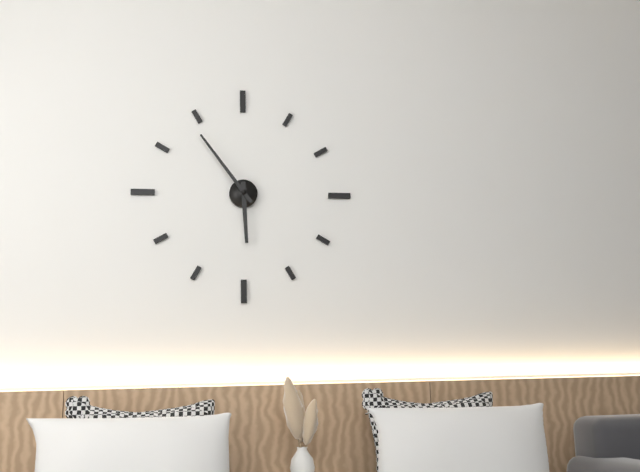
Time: {"hour": 5, "minute": 54}
